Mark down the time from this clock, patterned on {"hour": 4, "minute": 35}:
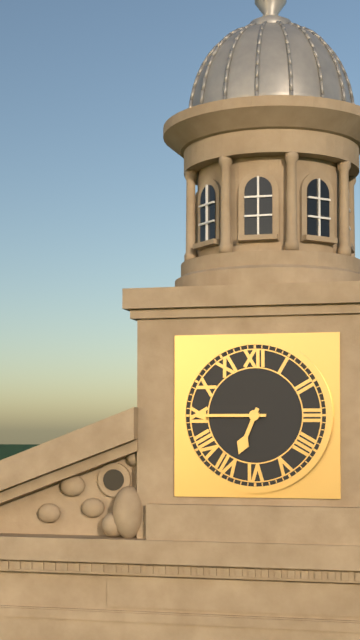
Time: {"hour": 6, "minute": 45}
